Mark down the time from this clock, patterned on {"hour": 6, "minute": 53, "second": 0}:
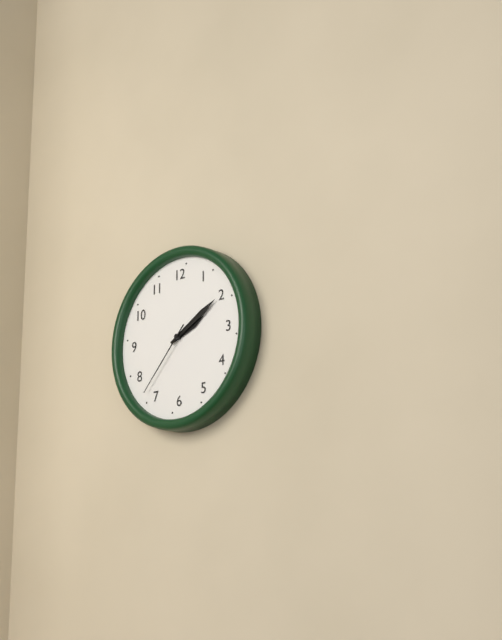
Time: {"hour": 2, "minute": 10, "second": 37}
